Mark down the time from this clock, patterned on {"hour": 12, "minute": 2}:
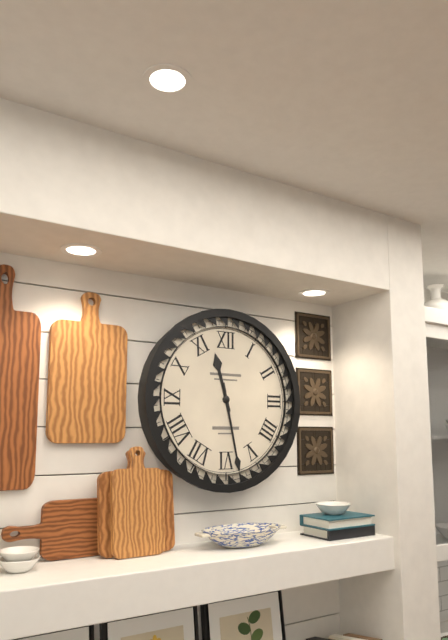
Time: {"hour": 11, "minute": 28}
